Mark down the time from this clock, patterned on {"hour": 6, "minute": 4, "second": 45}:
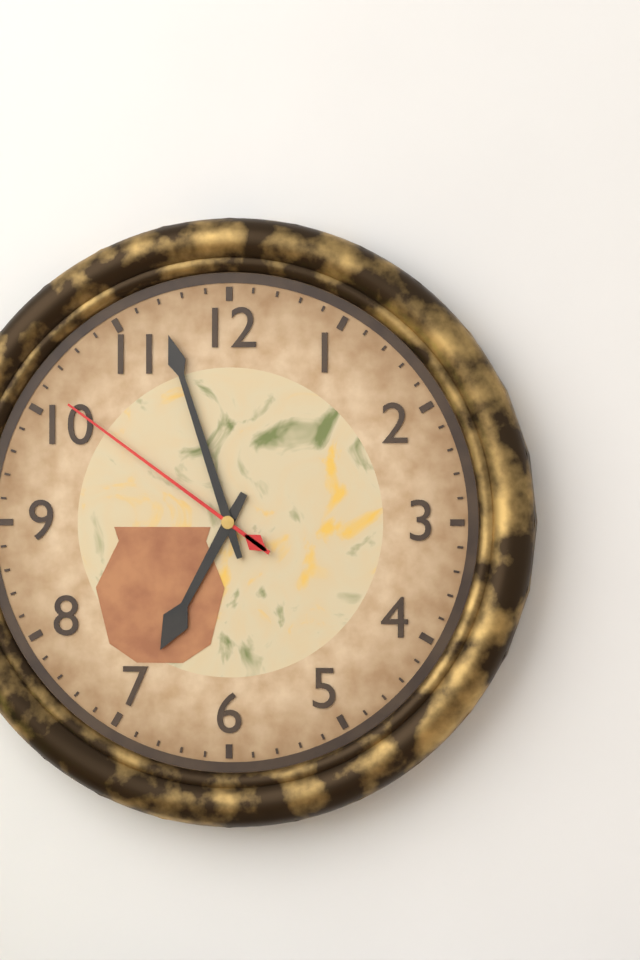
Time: {"hour": 6, "minute": 57, "second": 51}
